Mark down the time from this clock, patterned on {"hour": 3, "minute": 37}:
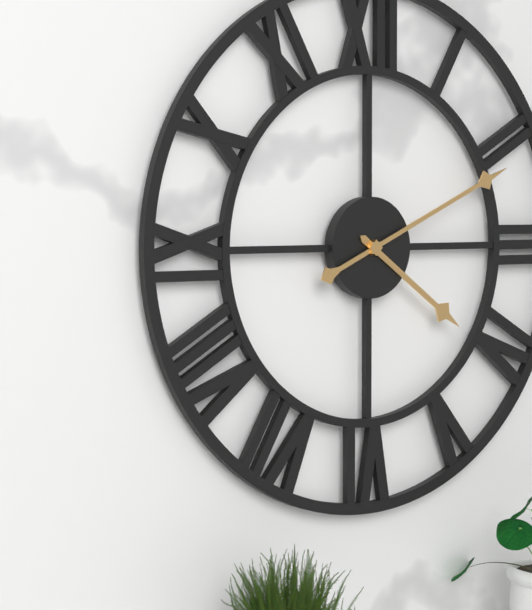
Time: {"hour": 4, "minute": 11}
